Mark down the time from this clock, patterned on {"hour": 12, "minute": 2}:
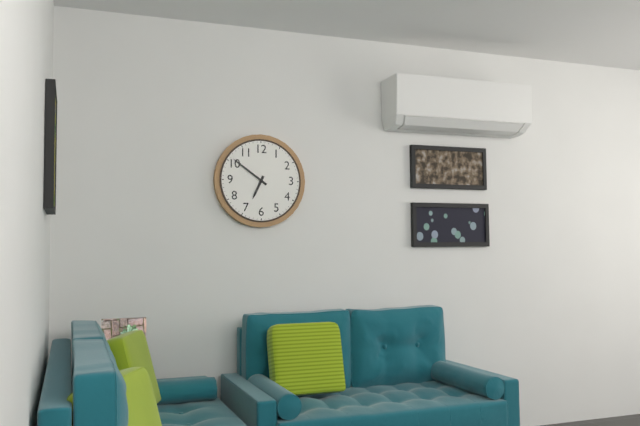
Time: {"hour": 6, "minute": 51}
